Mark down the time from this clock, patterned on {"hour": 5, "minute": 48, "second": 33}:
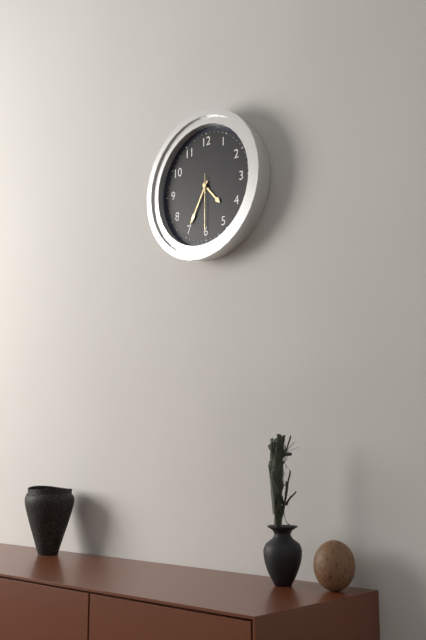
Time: {"hour": 4, "minute": 35, "second": 30}
